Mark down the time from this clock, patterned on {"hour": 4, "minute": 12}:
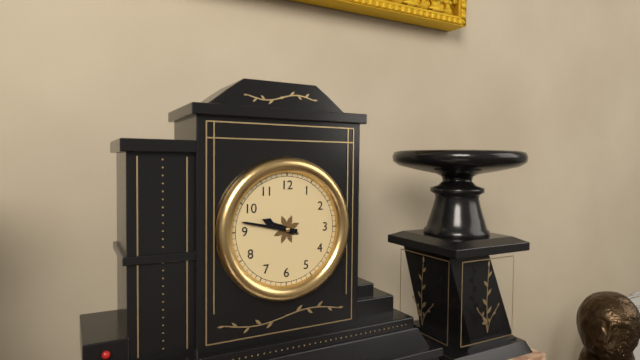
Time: {"hour": 9, "minute": 47}
